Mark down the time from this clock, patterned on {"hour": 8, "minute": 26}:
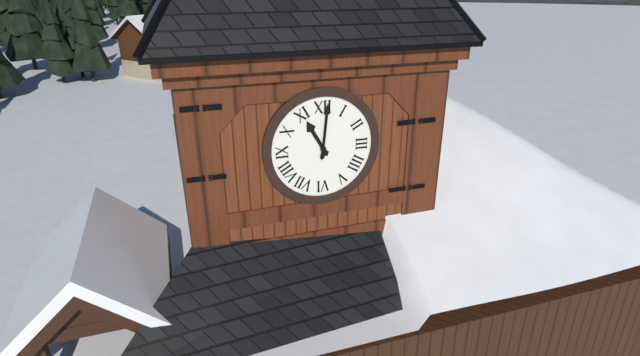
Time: {"hour": 11, "minute": 1}
